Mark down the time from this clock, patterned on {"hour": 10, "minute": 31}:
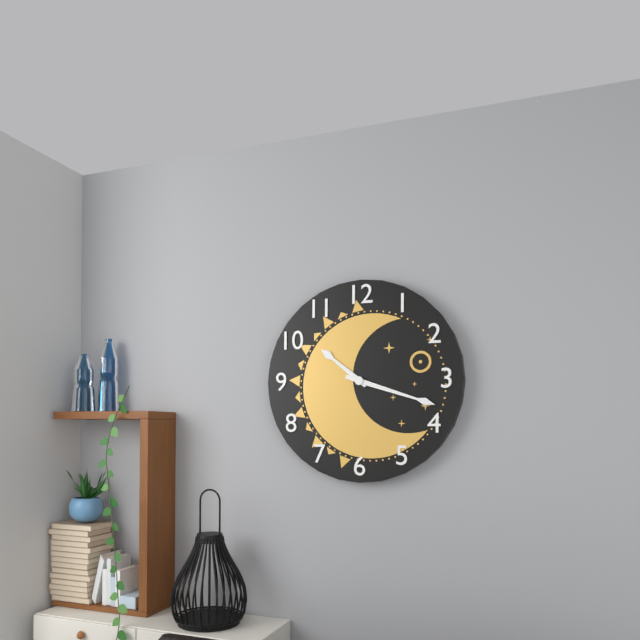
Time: {"hour": 10, "minute": 18}
